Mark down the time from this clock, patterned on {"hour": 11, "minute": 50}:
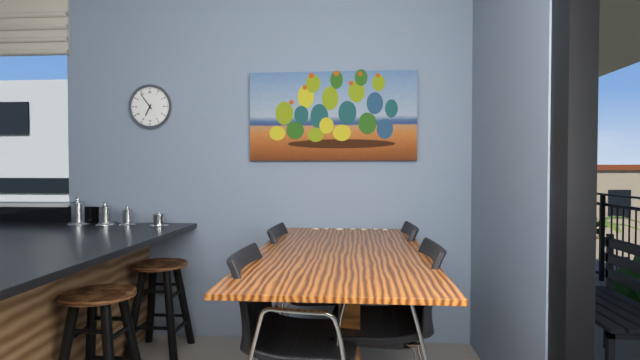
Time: {"hour": 6, "minute": 54}
